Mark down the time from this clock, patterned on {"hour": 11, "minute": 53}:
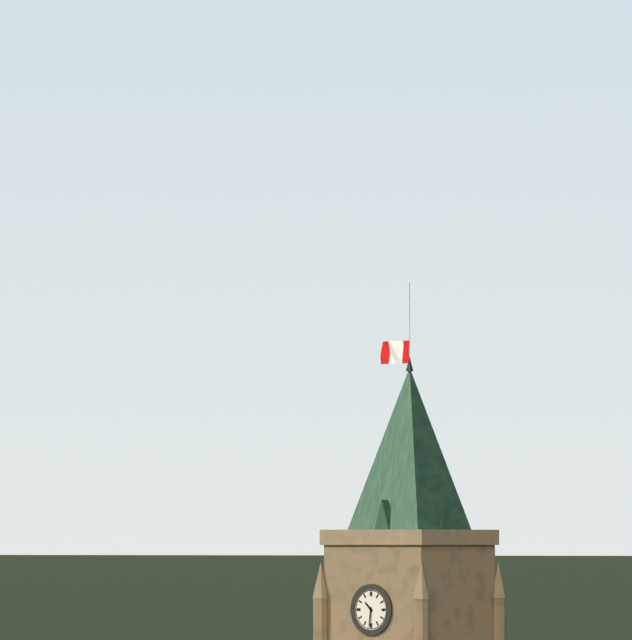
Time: {"hour": 10, "minute": 31}
